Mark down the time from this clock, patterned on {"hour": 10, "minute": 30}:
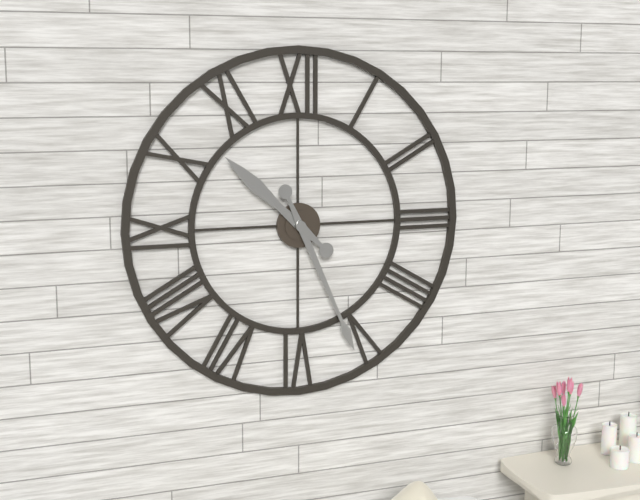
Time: {"hour": 10, "minute": 26}
